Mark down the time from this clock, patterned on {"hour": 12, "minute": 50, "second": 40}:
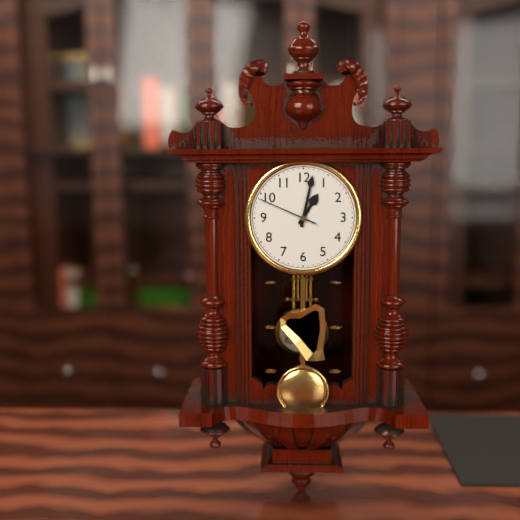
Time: {"hour": 1, "minute": 2, "second": 49}
